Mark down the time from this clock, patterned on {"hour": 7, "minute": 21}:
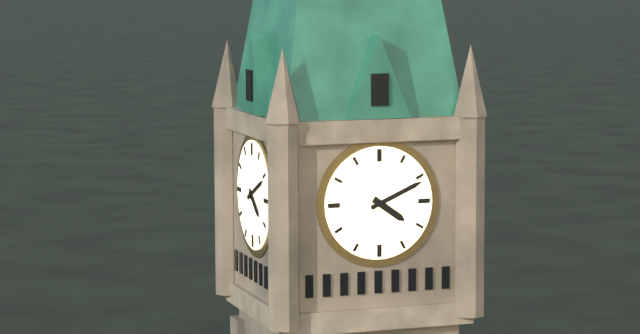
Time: {"hour": 4, "minute": 11}
